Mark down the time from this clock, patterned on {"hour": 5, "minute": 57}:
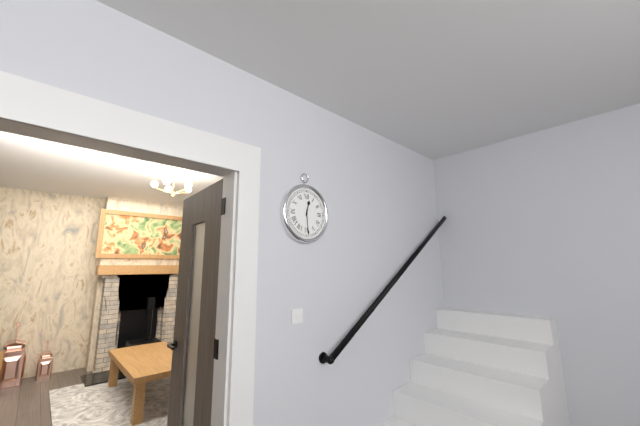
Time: {"hour": 12, "minute": 29}
